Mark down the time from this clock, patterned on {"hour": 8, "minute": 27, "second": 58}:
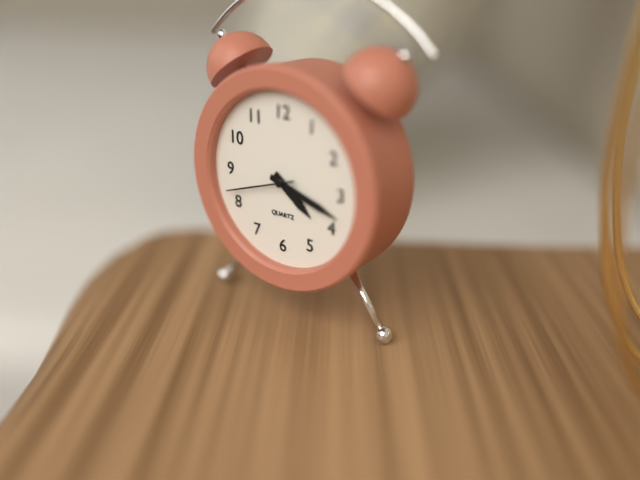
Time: {"hour": 4, "minute": 18, "second": 42}
